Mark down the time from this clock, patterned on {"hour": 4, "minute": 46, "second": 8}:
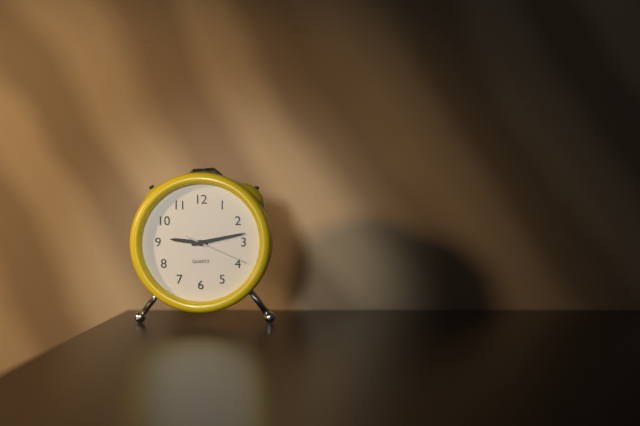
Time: {"hour": 9, "minute": 13, "second": 19}
